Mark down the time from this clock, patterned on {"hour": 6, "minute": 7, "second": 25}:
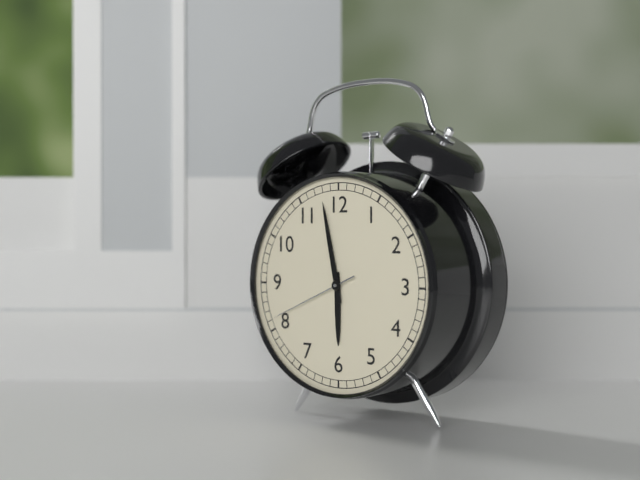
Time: {"hour": 5, "minute": 58, "second": 41}
